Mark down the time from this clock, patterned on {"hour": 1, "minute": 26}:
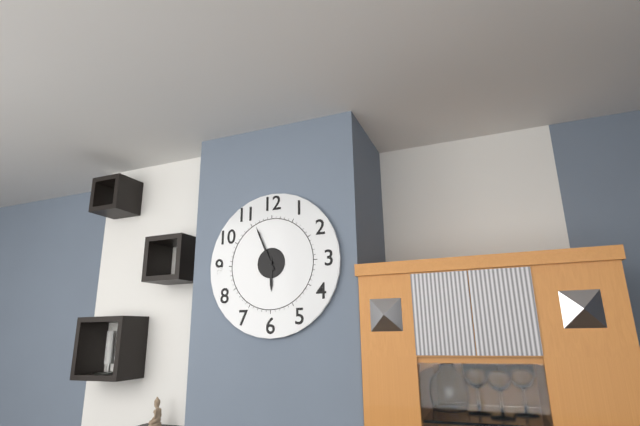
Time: {"hour": 5, "minute": 56}
